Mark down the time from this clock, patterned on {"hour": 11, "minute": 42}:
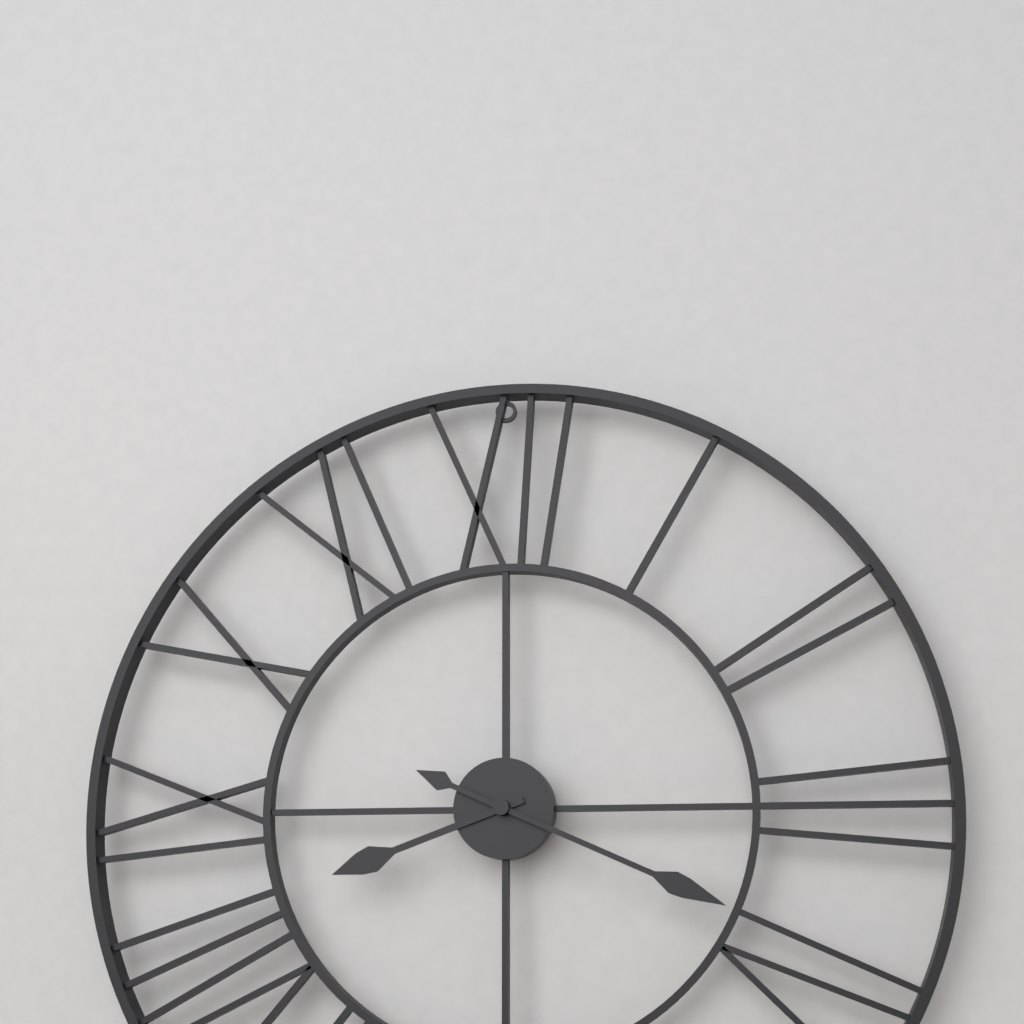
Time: {"hour": 8, "minute": 19}
